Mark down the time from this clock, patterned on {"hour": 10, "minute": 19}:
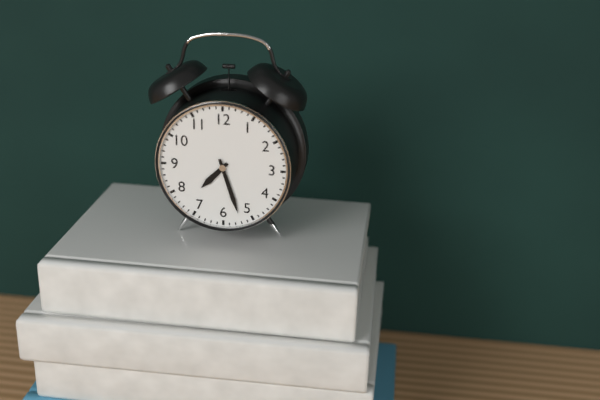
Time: {"hour": 7, "minute": 27}
